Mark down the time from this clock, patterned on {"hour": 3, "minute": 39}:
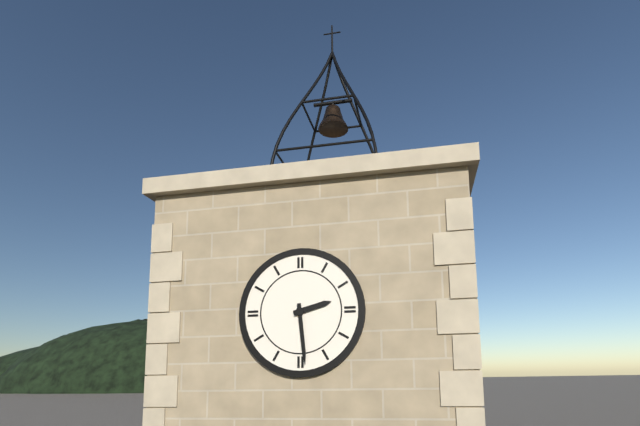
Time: {"hour": 2, "minute": 29}
